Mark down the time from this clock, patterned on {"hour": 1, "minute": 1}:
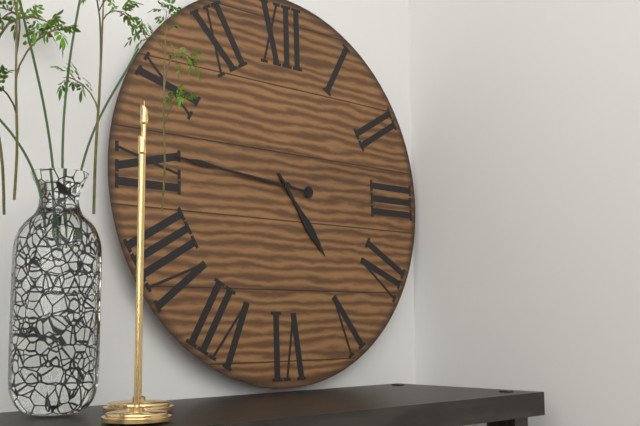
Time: {"hour": 4, "minute": 46}
